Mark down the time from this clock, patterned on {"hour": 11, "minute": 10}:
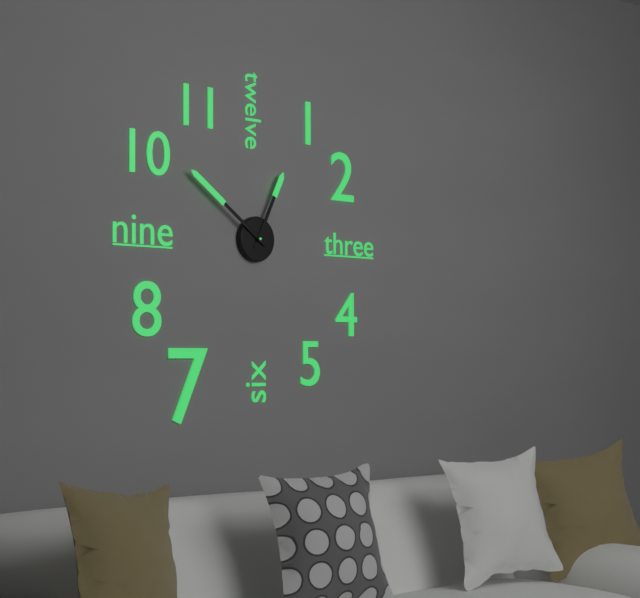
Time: {"hour": 12, "minute": 51}
